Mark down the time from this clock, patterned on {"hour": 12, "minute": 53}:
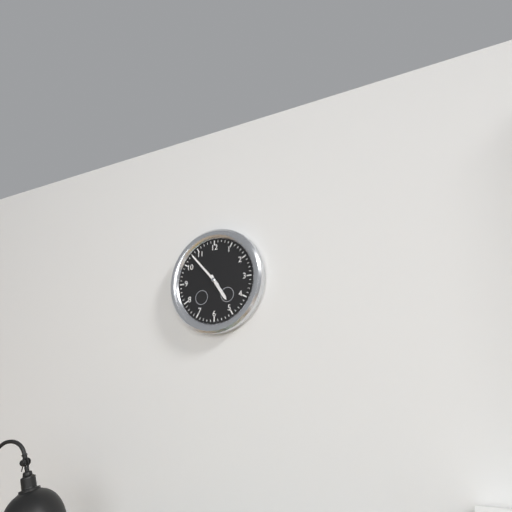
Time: {"hour": 4, "minute": 53}
